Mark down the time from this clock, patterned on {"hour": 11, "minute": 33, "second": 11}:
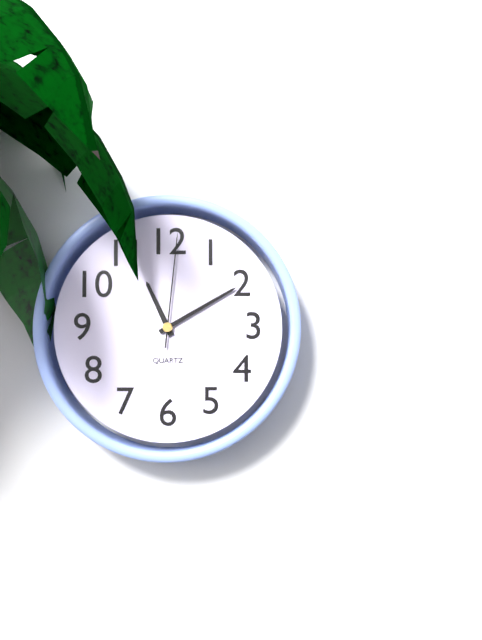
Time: {"hour": 11, "minute": 10, "second": 1}
